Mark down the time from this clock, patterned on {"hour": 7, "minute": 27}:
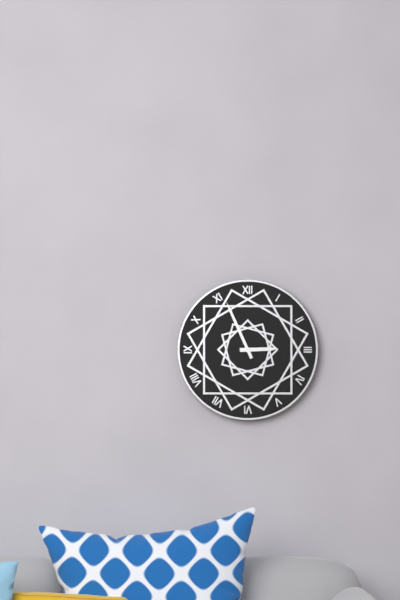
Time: {"hour": 2, "minute": 56}
